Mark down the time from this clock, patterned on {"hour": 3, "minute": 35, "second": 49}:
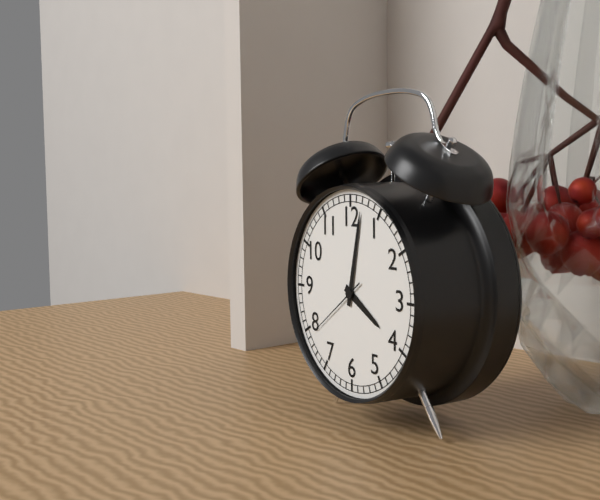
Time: {"hour": 4, "minute": 2, "second": 39}
